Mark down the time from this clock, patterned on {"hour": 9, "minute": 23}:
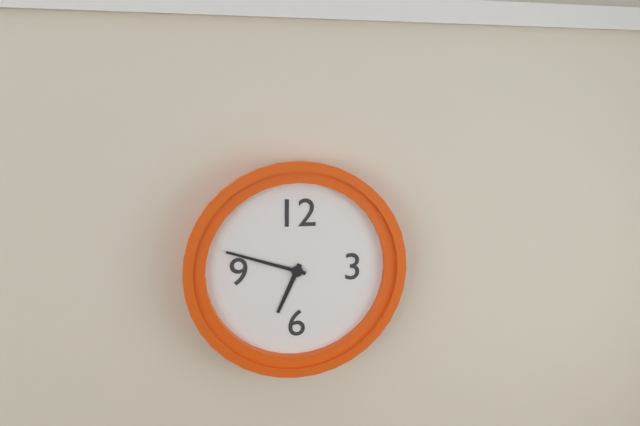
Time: {"hour": 6, "minute": 48}
